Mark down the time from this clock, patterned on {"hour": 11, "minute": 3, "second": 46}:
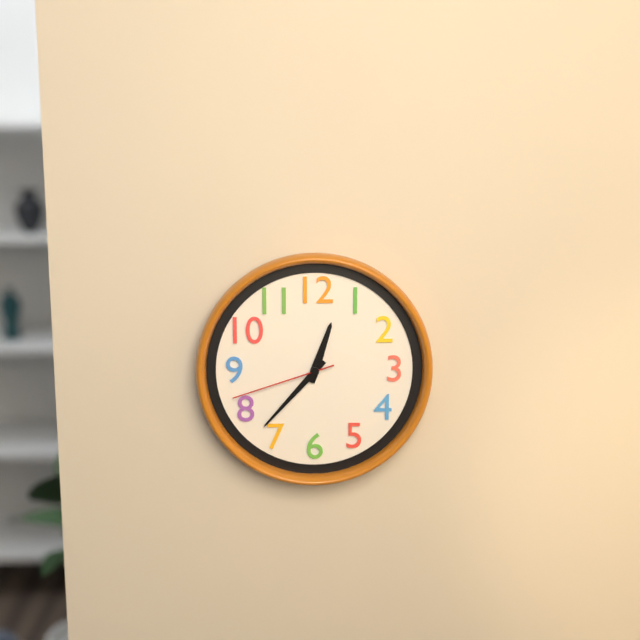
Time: {"hour": 12, "minute": 37, "second": 42}
